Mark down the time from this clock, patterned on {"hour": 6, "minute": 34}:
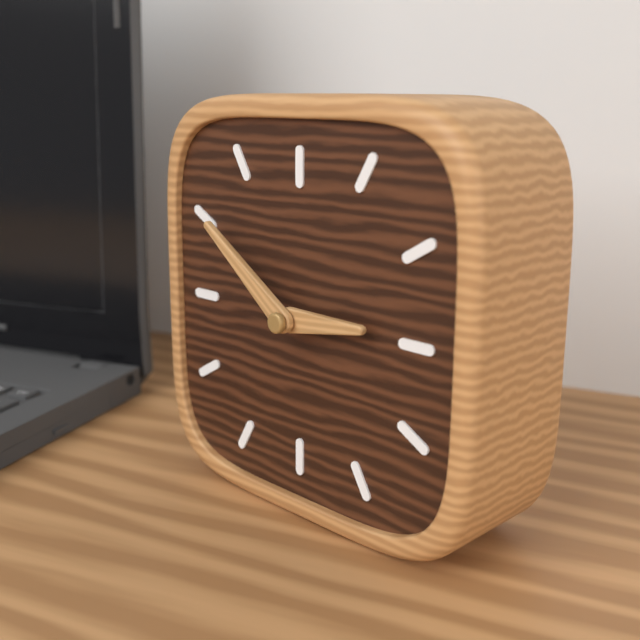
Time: {"hour": 2, "minute": 51}
